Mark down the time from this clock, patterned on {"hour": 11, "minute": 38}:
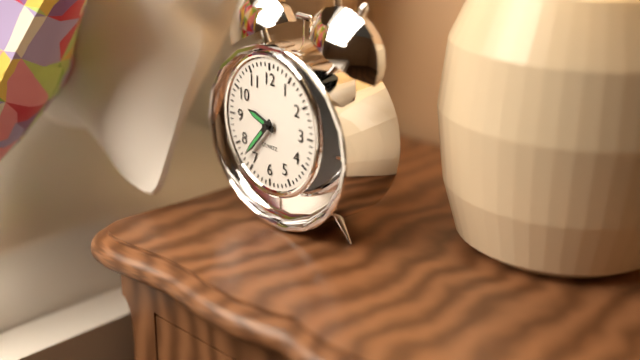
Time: {"hour": 9, "minute": 37}
